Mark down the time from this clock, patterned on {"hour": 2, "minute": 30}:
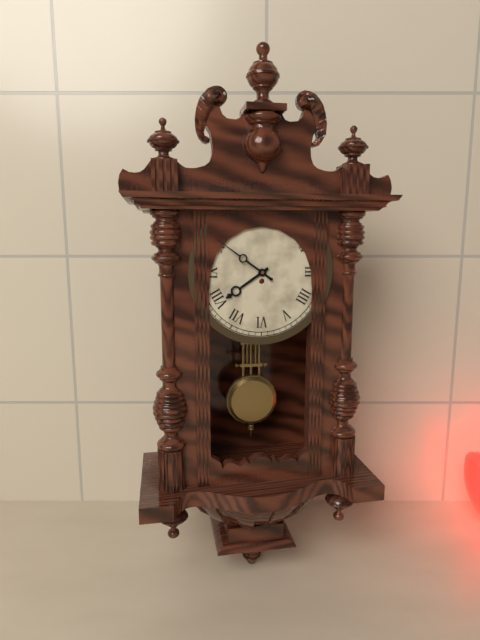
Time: {"hour": 7, "minute": 51}
